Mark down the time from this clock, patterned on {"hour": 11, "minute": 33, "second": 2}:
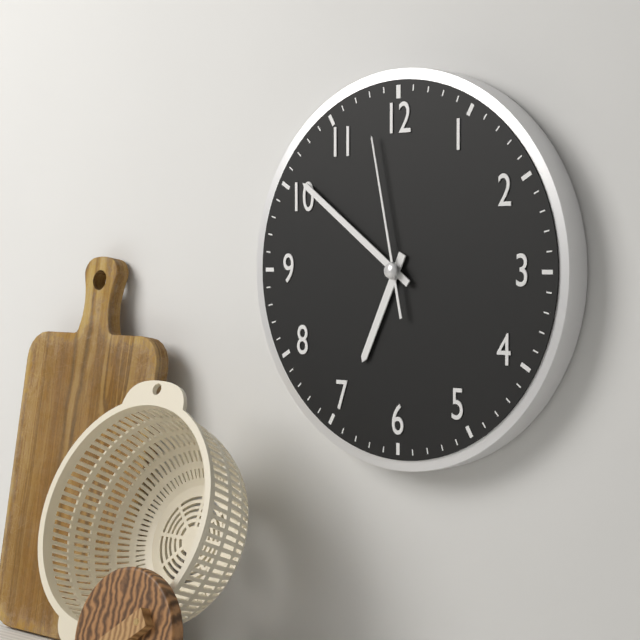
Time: {"hour": 6, "minute": 51, "second": 58}
